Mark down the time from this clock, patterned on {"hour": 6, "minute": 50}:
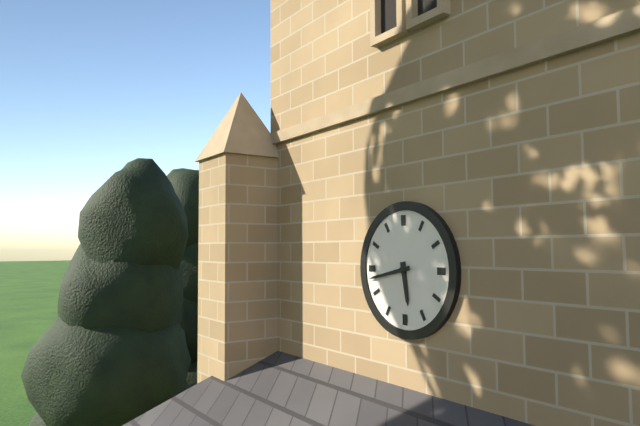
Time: {"hour": 5, "minute": 43}
